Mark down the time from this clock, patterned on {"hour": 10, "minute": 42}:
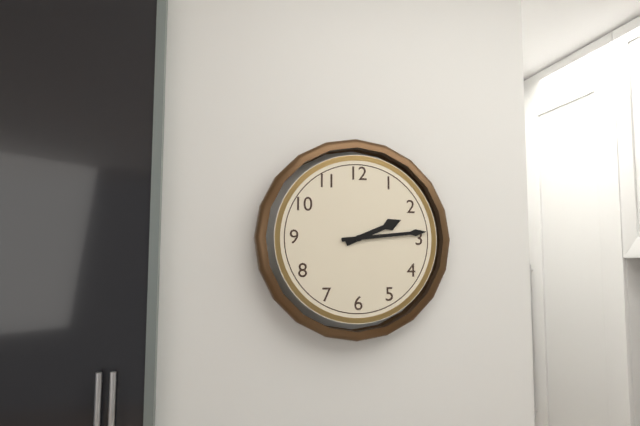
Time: {"hour": 2, "minute": 14}
